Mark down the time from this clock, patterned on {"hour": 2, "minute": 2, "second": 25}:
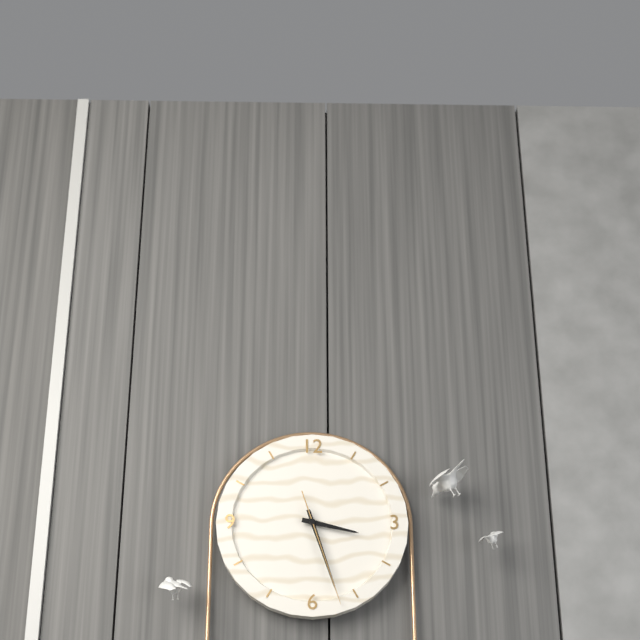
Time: {"hour": 3, "minute": 27, "second": 27}
